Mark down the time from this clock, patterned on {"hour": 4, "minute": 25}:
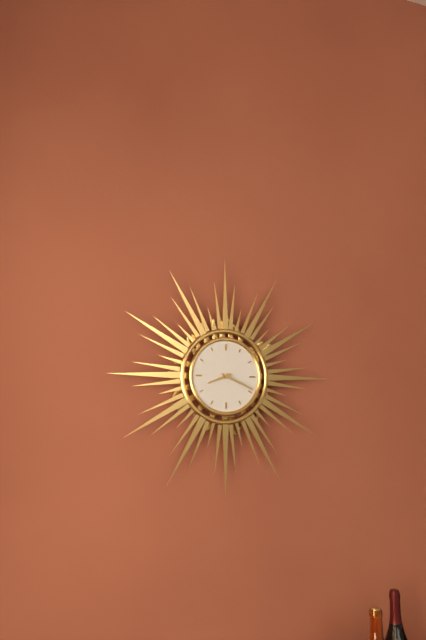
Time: {"hour": 8, "minute": 19}
